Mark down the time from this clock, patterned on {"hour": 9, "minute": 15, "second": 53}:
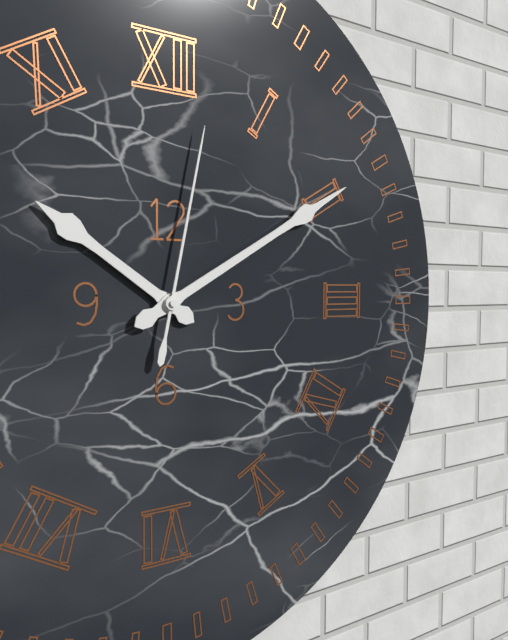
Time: {"hour": 10, "minute": 10, "second": 2}
